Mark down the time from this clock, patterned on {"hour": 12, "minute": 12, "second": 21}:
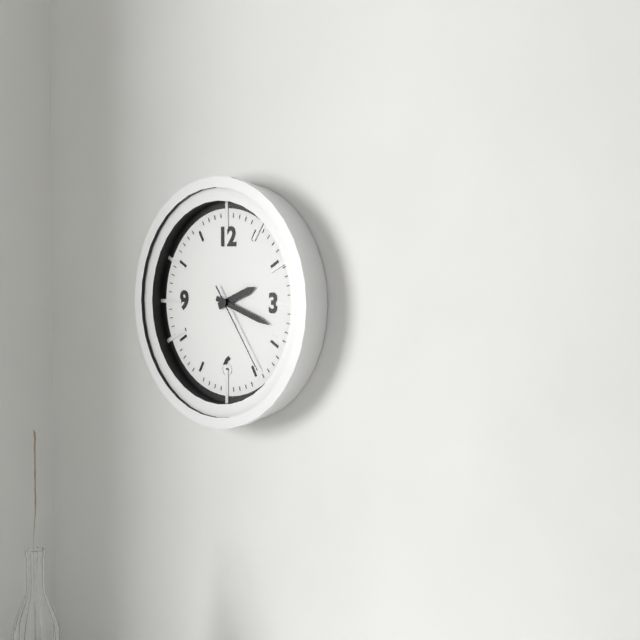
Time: {"hour": 2, "minute": 18, "second": 24}
